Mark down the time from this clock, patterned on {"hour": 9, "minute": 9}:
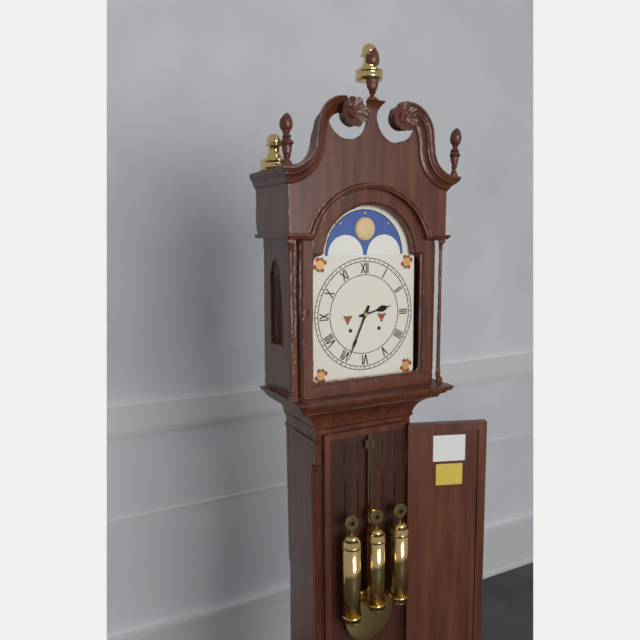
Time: {"hour": 2, "minute": 34}
